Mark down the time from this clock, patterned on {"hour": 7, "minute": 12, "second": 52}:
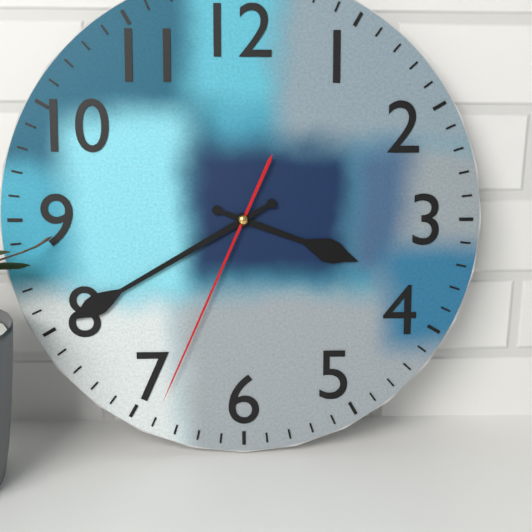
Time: {"hour": 3, "minute": 40, "second": 34}
